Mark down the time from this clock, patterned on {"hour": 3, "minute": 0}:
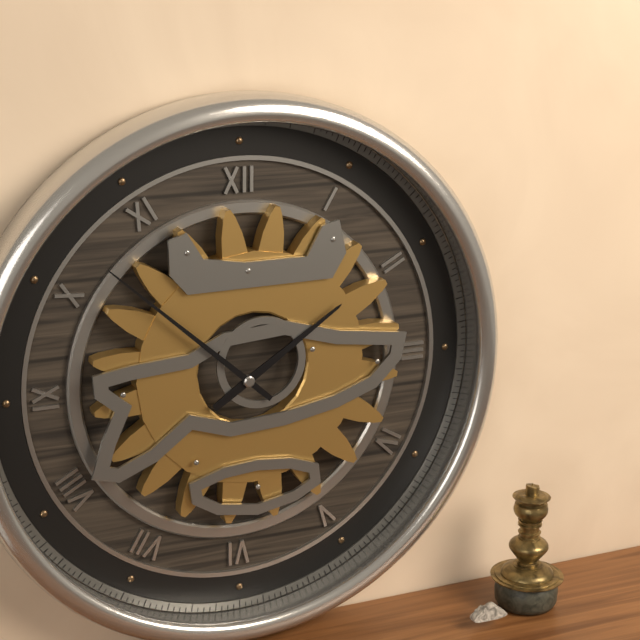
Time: {"hour": 1, "minute": 52}
